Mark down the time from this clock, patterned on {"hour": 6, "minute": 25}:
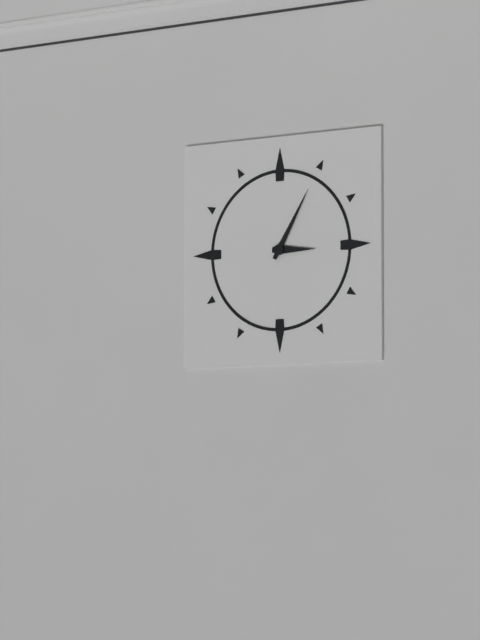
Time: {"hour": 3, "minute": 5}
